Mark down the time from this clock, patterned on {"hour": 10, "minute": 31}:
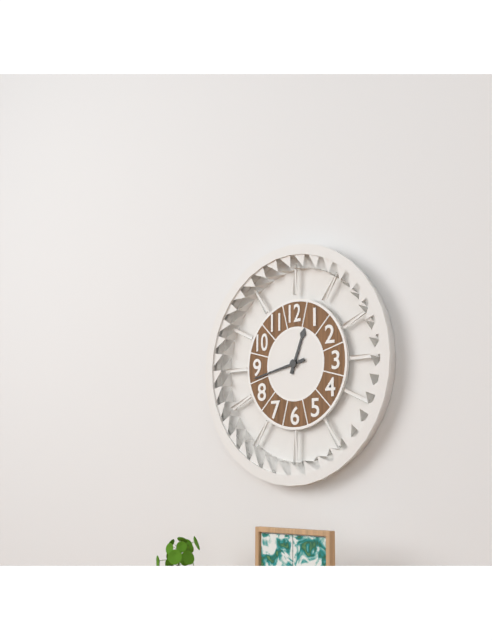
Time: {"hour": 12, "minute": 43}
